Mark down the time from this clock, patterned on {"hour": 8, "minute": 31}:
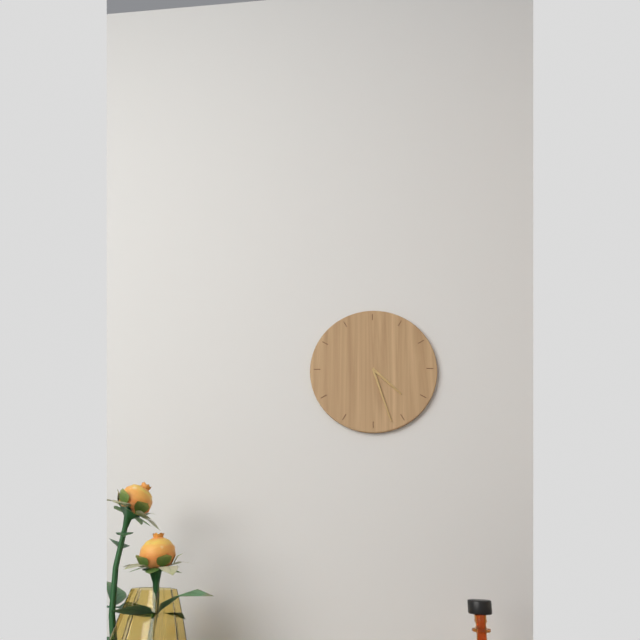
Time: {"hour": 4, "minute": 27}
